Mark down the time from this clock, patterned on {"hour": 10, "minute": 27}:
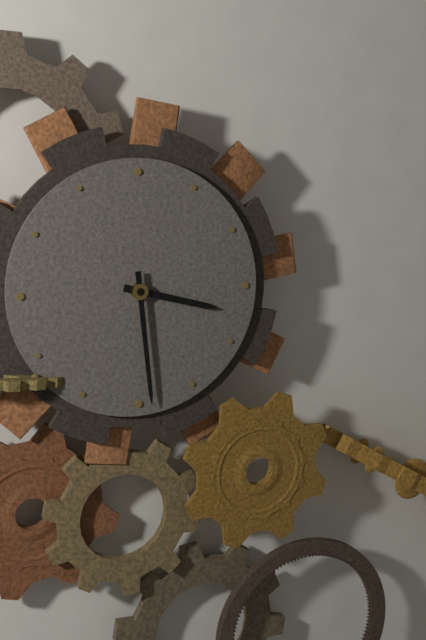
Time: {"hour": 3, "minute": 29}
